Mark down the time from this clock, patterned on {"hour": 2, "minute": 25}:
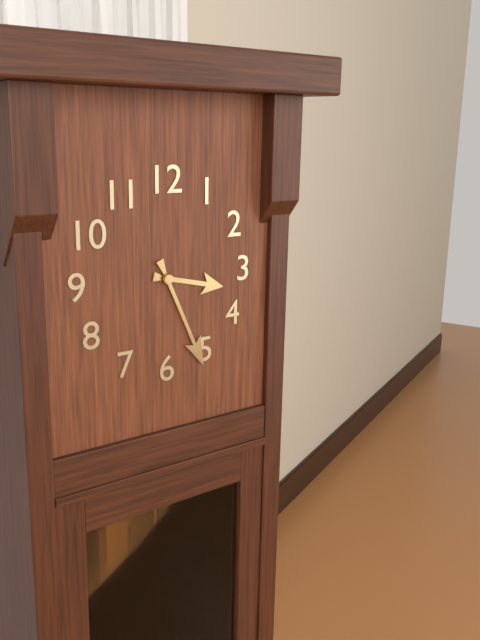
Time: {"hour": 3, "minute": 26}
